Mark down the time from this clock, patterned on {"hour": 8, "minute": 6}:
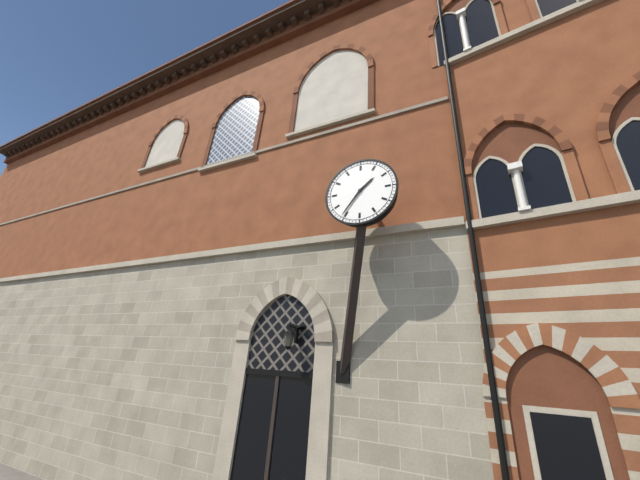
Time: {"hour": 1, "minute": 36}
